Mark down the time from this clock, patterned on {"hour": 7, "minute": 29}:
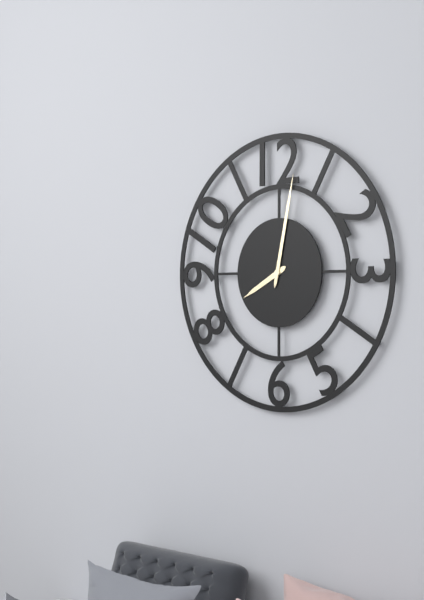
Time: {"hour": 8, "minute": 2}
